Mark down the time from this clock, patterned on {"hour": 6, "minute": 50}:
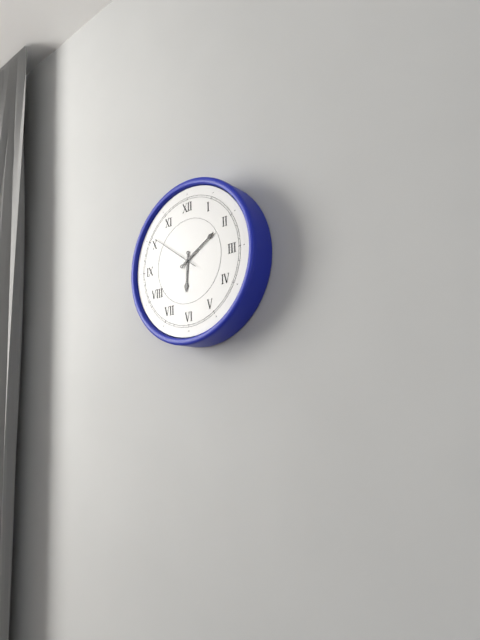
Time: {"hour": 6, "minute": 10}
